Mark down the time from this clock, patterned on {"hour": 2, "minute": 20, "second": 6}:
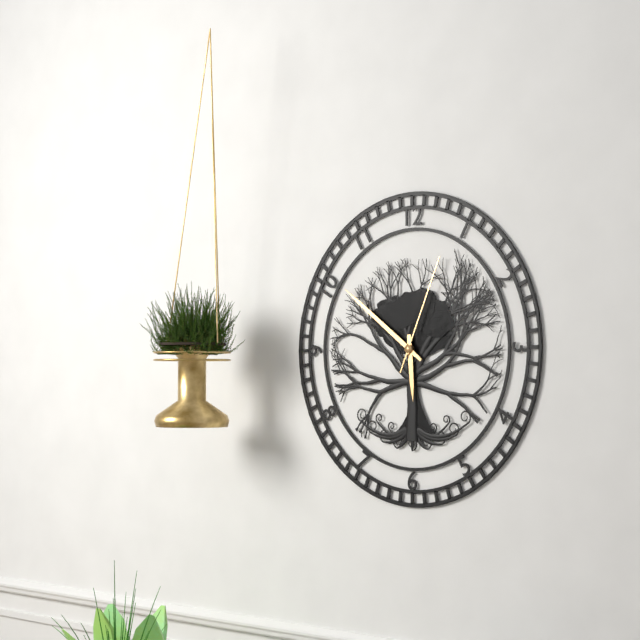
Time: {"hour": 5, "minute": 51, "second": 4}
